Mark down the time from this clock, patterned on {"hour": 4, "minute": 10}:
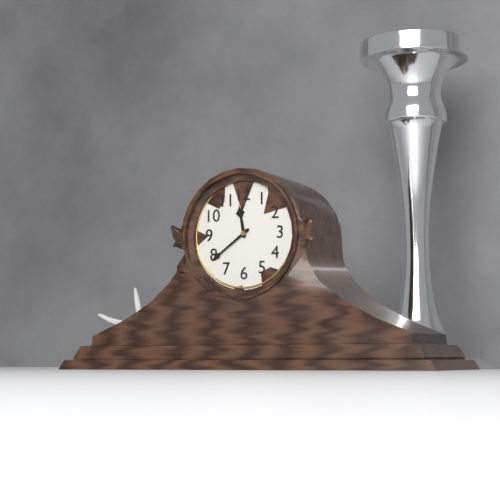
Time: {"hour": 11, "minute": 39}
